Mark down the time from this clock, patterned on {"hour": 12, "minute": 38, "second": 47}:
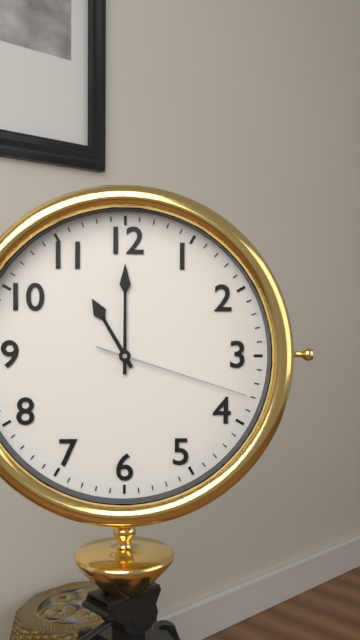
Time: {"hour": 11, "minute": 0, "second": 18}
